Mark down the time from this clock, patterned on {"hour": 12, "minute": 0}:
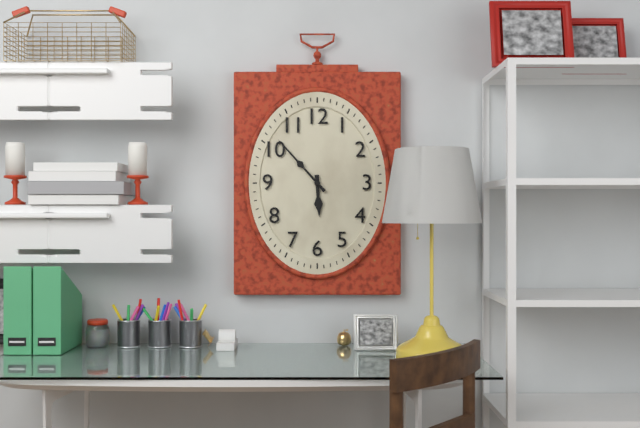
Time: {"hour": 5, "minute": 53}
